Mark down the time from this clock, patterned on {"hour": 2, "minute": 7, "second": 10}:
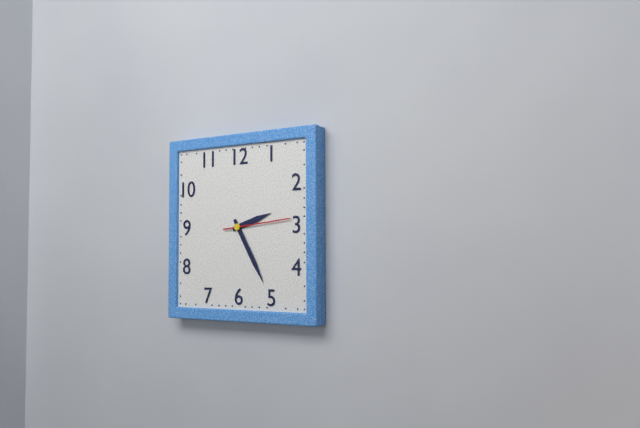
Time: {"hour": 2, "minute": 25, "second": 14}
